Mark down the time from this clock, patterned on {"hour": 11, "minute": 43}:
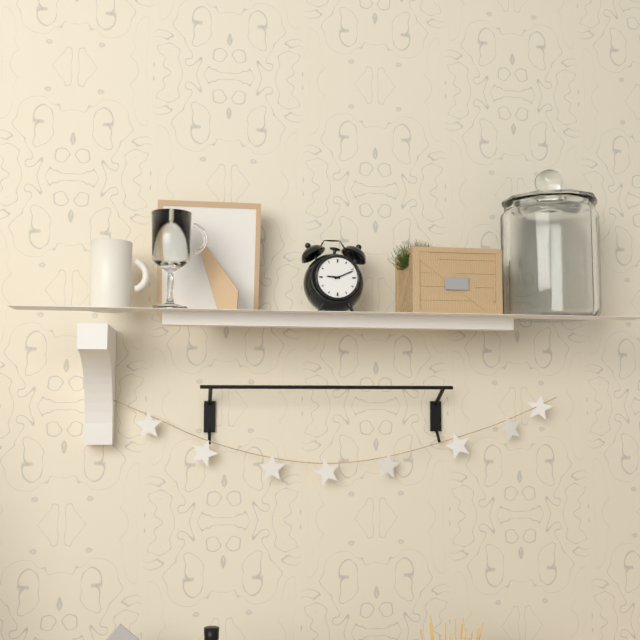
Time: {"hour": 9, "minute": 11}
